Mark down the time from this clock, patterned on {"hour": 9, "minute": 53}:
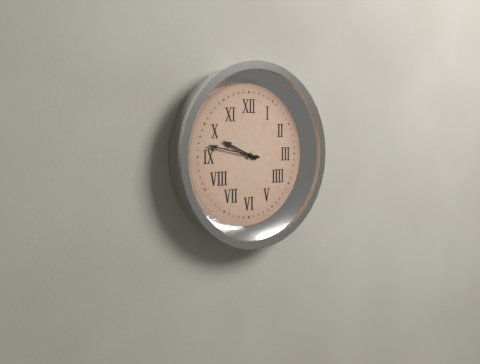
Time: {"hour": 9, "minute": 47}
